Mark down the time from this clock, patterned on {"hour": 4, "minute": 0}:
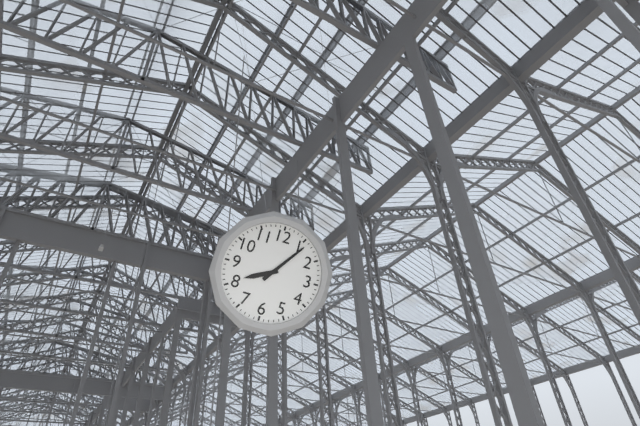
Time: {"hour": 8, "minute": 6}
